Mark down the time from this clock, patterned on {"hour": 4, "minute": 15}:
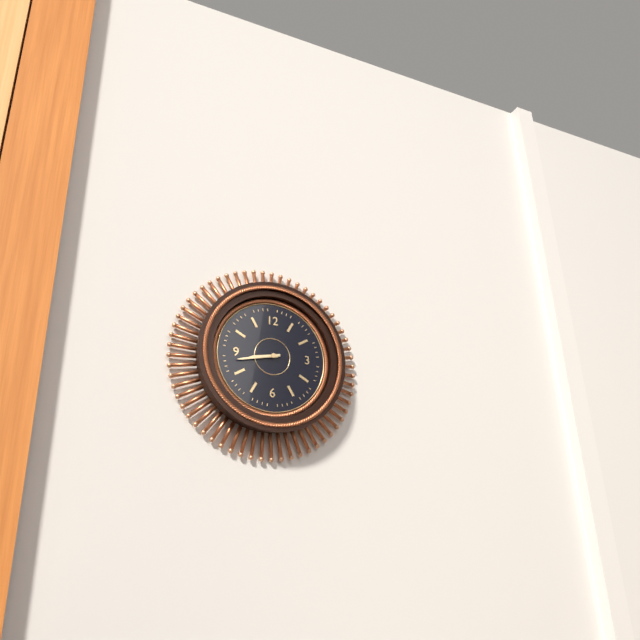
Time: {"hour": 8, "minute": 43}
